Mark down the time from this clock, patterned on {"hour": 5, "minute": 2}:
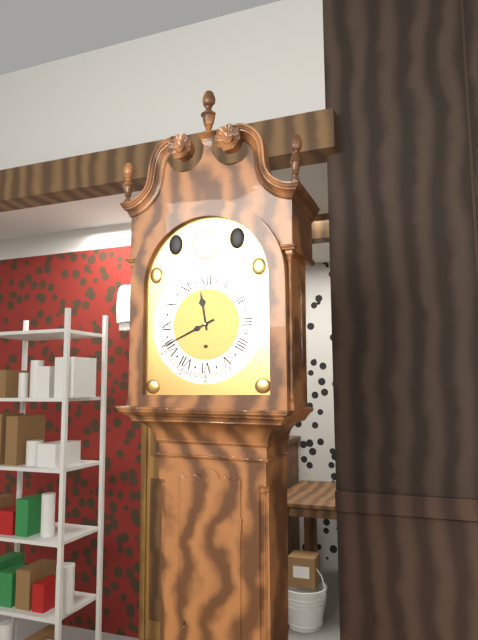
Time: {"hour": 11, "minute": 41}
